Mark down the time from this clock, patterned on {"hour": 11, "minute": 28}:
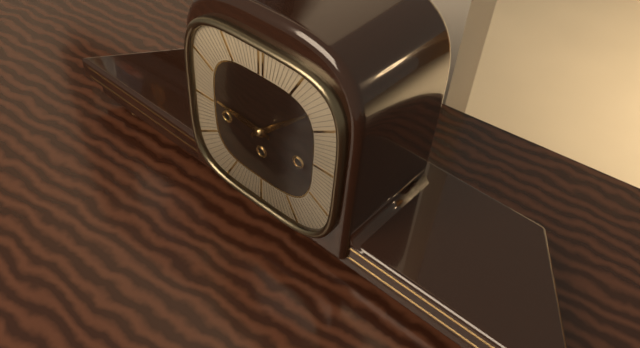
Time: {"hour": 9, "minute": 8}
